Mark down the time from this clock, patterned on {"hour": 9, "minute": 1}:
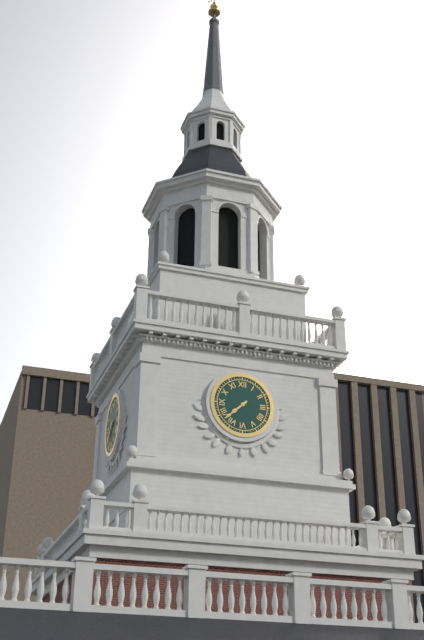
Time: {"hour": 7, "minute": 38}
